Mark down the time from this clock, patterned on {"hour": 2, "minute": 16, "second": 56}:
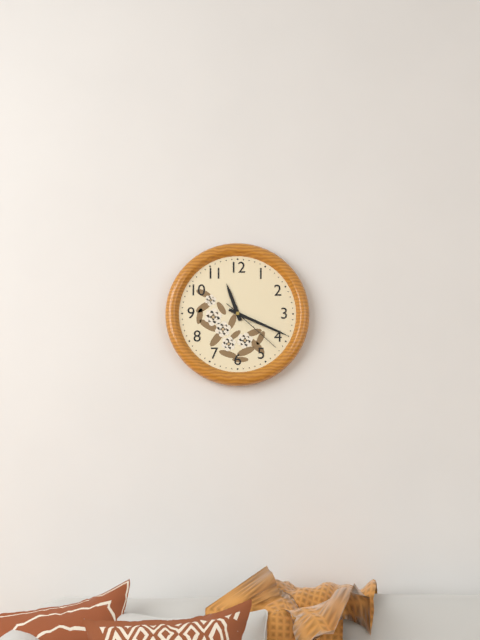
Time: {"hour": 11, "minute": 19, "second": 22}
